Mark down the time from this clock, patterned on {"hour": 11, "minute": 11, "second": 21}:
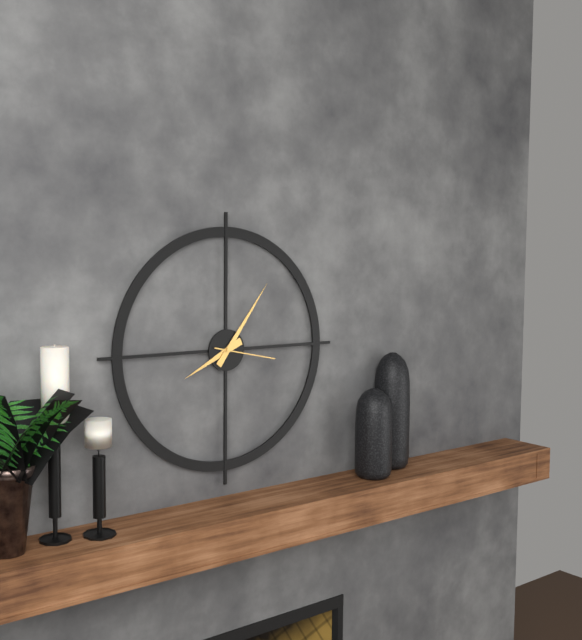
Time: {"hour": 8, "minute": 6, "second": 17}
